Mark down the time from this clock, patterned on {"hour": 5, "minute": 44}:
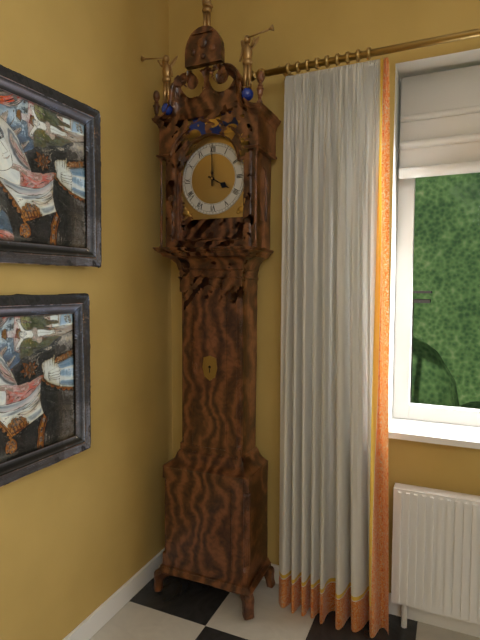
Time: {"hour": 4, "minute": 0}
